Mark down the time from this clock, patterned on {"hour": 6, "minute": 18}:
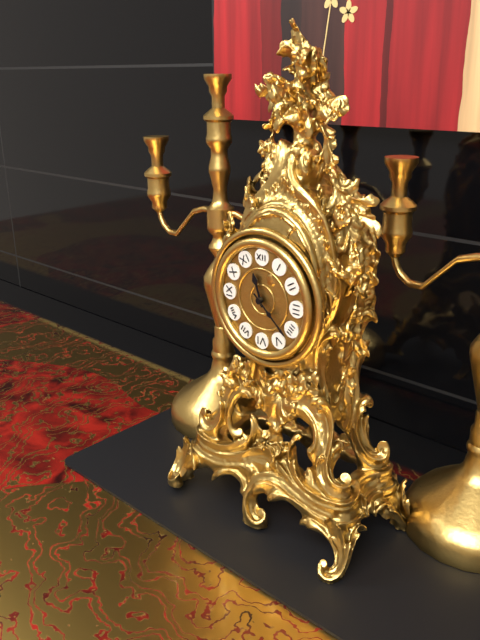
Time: {"hour": 11, "minute": 22}
